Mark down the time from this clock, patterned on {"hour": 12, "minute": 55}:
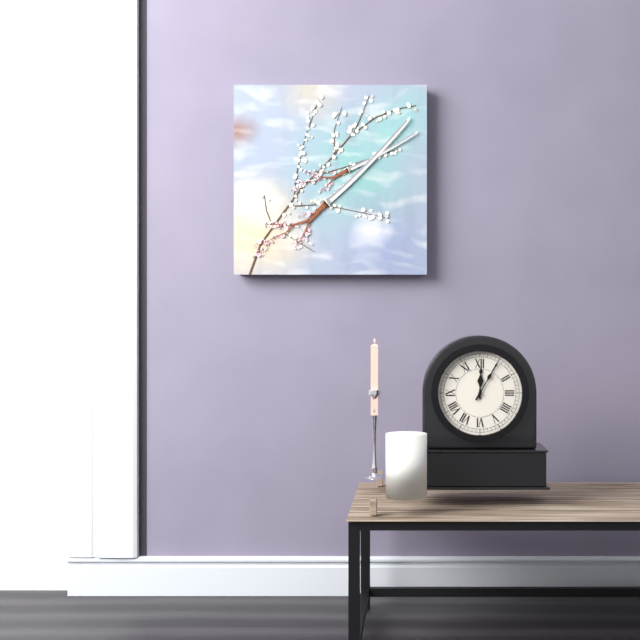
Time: {"hour": 12, "minute": 5}
